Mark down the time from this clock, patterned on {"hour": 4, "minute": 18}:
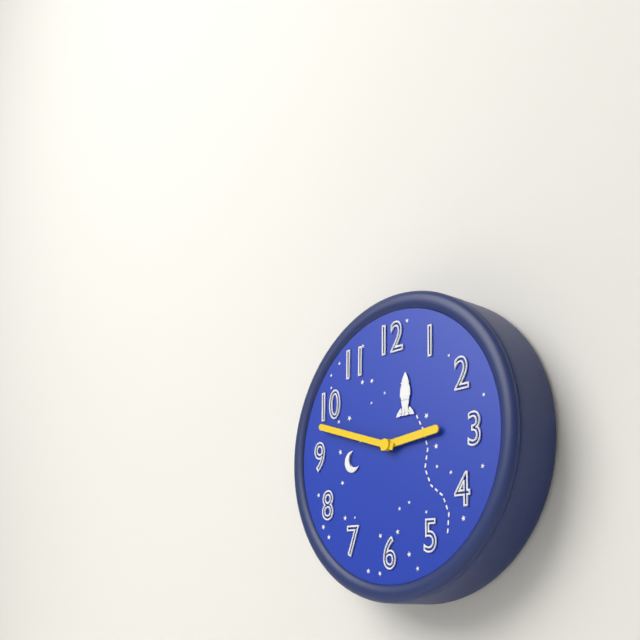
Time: {"hour": 2, "minute": 48}
